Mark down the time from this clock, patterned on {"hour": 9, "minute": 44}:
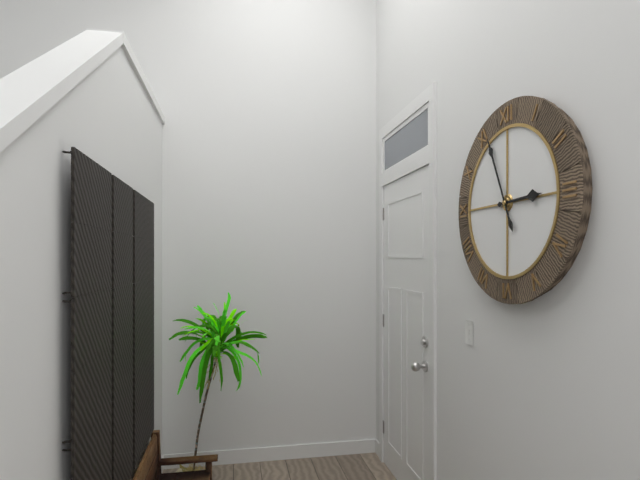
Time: {"hour": 2, "minute": 56}
